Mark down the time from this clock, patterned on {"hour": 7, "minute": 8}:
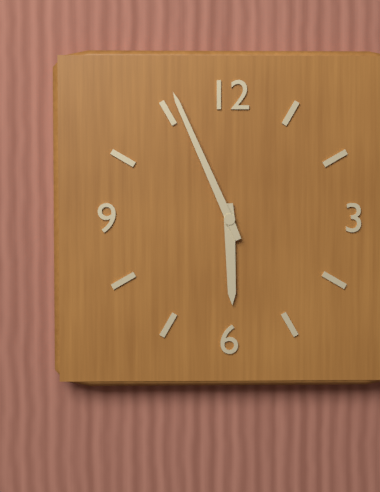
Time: {"hour": 5, "minute": 56}
